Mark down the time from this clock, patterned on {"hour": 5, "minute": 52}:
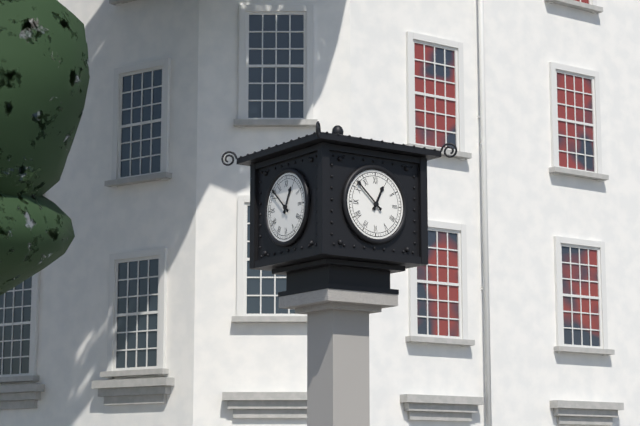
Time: {"hour": 12, "minute": 52}
